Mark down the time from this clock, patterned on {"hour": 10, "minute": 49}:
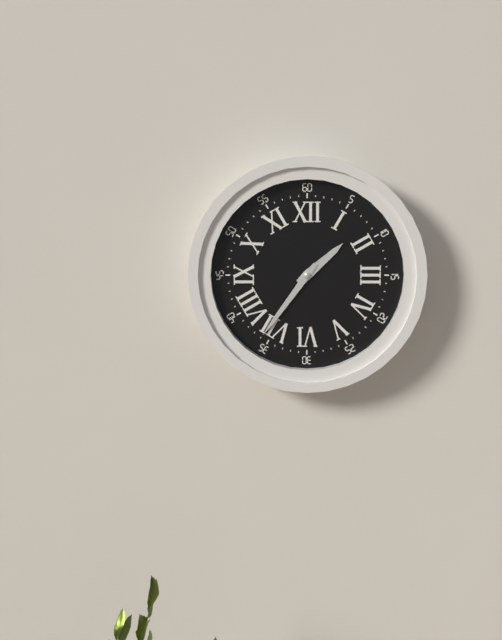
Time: {"hour": 1, "minute": 36}
